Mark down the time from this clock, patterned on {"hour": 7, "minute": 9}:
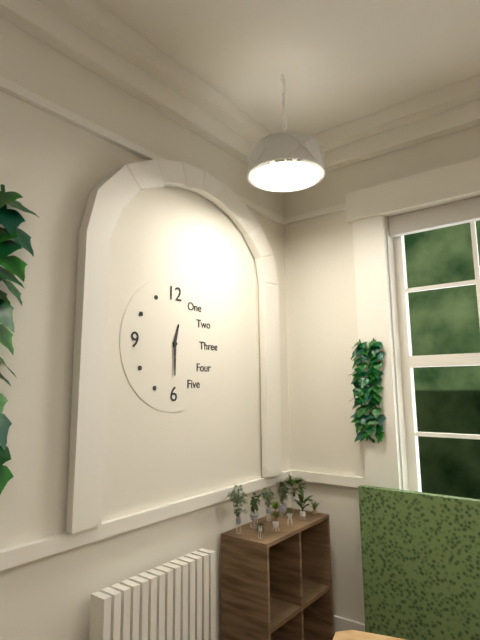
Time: {"hour": 12, "minute": 30}
